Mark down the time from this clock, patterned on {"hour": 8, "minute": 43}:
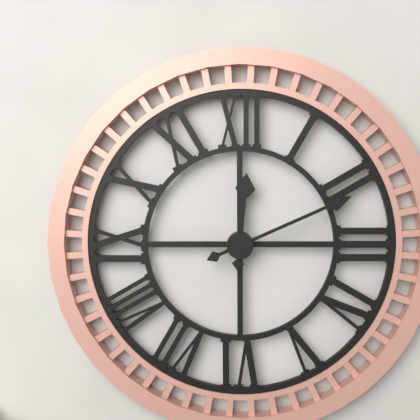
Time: {"hour": 12, "minute": 11}
